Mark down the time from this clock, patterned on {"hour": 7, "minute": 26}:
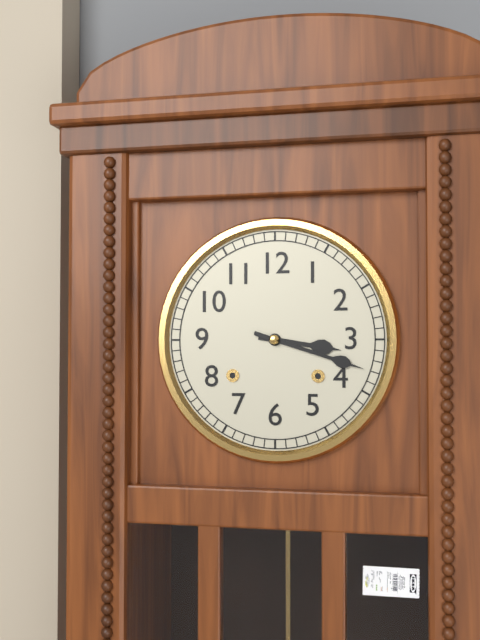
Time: {"hour": 3, "minute": 18}
